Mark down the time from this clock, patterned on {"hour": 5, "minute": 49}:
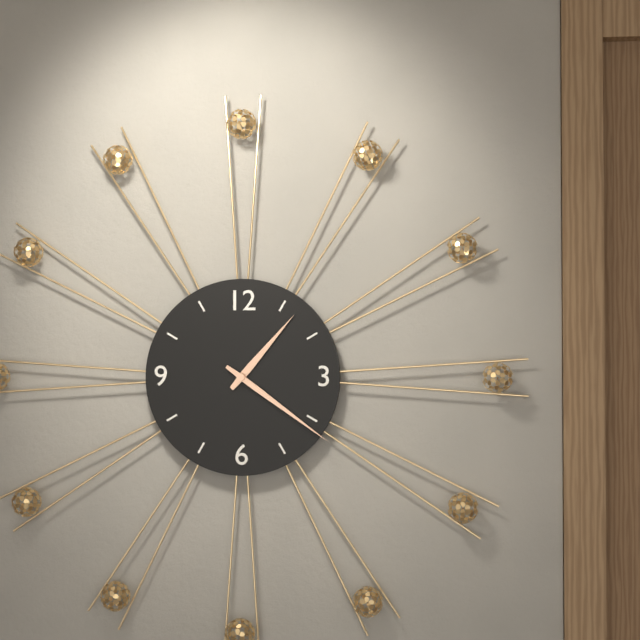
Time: {"hour": 1, "minute": 21}
